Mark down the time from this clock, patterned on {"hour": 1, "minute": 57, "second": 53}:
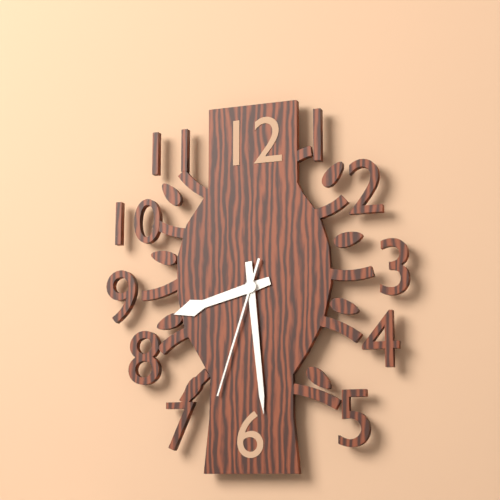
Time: {"hour": 8, "minute": 29, "second": 33}
